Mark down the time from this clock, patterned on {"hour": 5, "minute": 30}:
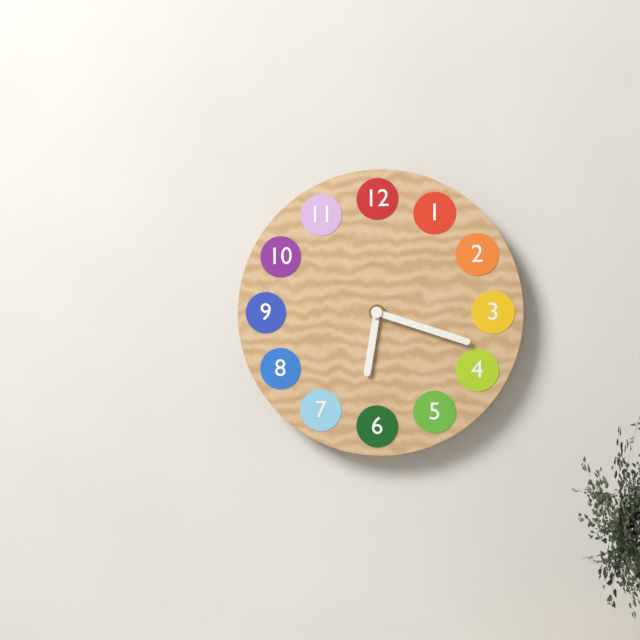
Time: {"hour": 6, "minute": 18}
